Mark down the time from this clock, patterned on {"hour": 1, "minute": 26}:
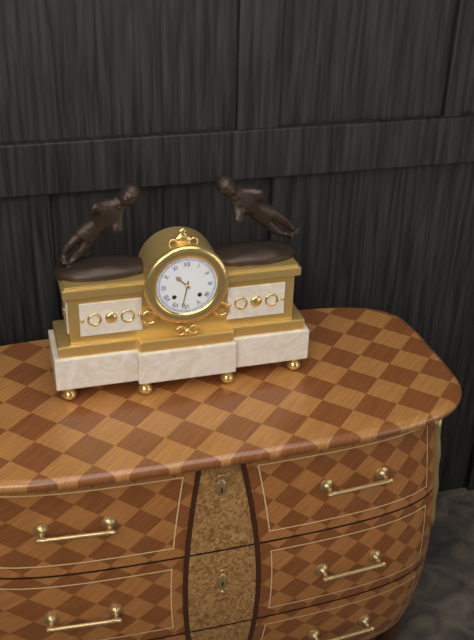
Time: {"hour": 10, "minute": 32}
